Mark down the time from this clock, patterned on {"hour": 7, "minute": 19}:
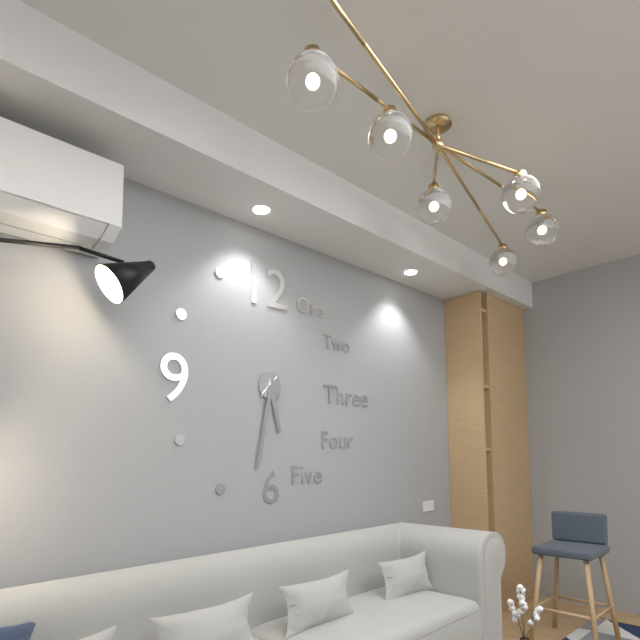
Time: {"hour": 5, "minute": 32}
